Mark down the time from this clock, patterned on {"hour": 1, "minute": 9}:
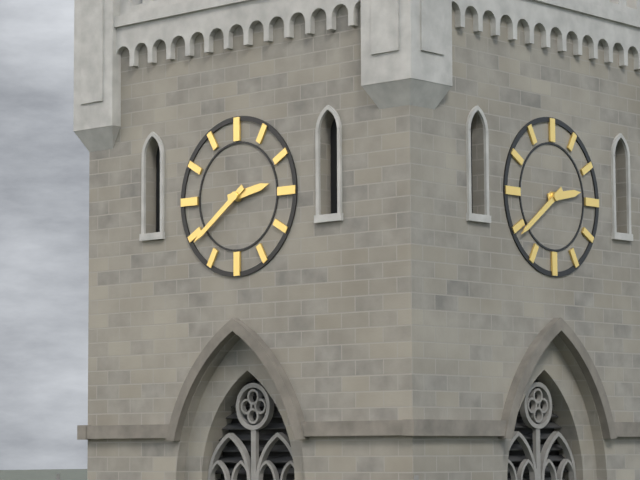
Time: {"hour": 2, "minute": 39}
